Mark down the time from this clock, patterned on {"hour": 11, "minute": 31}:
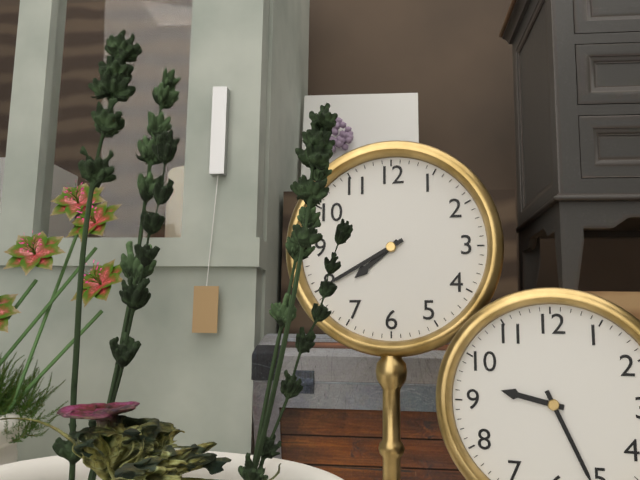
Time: {"hour": 7, "minute": 40}
